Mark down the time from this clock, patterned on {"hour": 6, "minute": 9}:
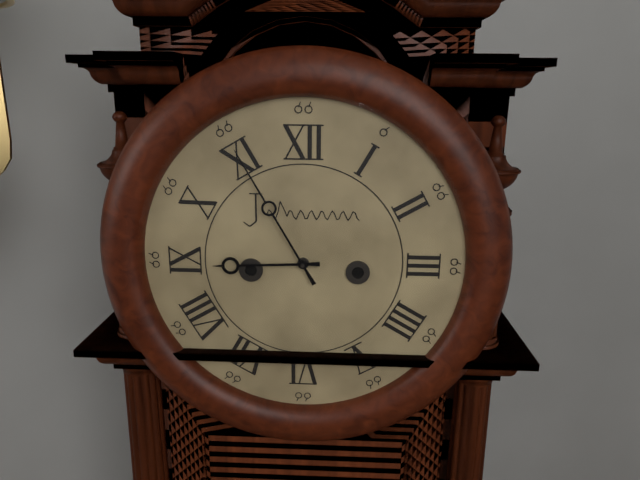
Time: {"hour": 8, "minute": 55}
